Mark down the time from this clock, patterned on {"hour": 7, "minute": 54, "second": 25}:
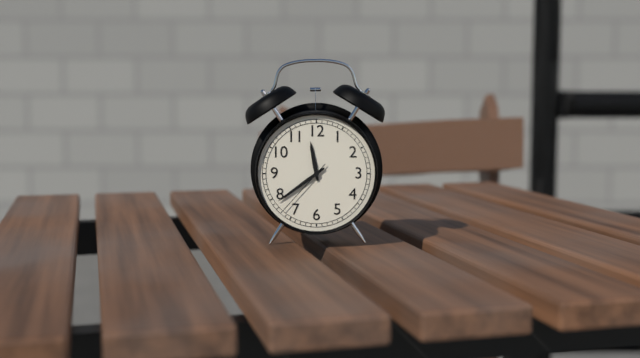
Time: {"hour": 11, "minute": 39, "second": 37}
